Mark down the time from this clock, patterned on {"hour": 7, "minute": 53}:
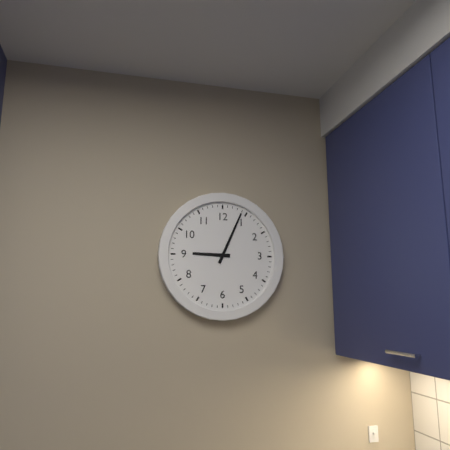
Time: {"hour": 9, "minute": 4}
